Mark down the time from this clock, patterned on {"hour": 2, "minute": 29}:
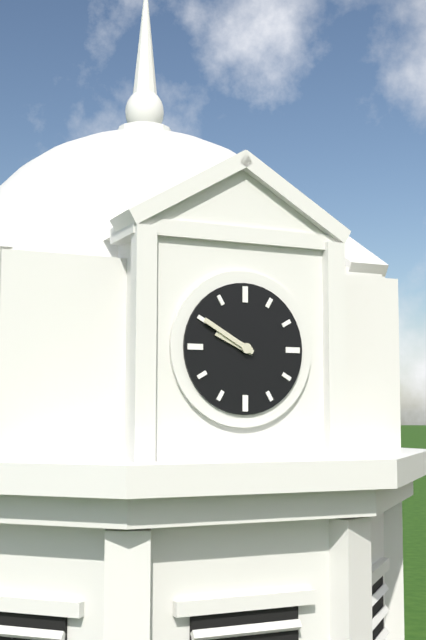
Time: {"hour": 9, "minute": 50}
